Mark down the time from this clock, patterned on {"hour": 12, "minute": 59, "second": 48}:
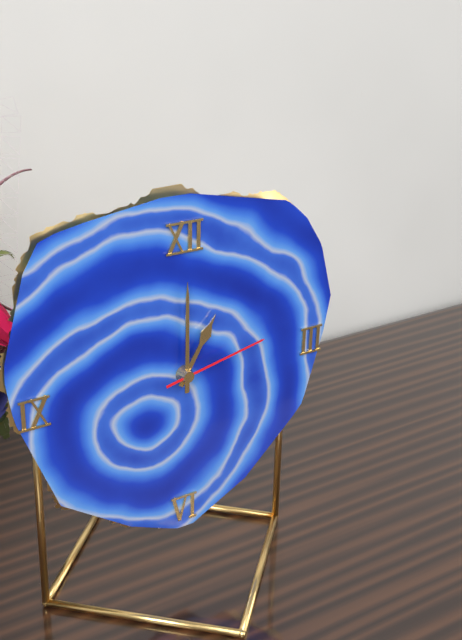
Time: {"hour": 1, "minute": 0, "second": 13}
